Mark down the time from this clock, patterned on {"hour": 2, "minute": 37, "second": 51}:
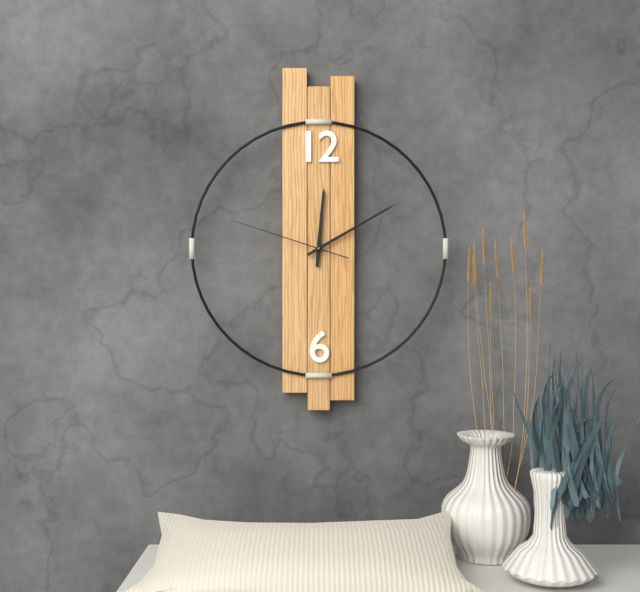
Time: {"hour": 12, "minute": 10, "second": 48}
